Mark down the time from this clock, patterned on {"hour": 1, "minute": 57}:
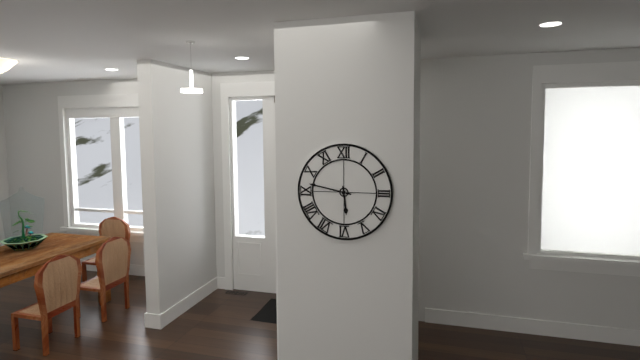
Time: {"hour": 5, "minute": 47}
